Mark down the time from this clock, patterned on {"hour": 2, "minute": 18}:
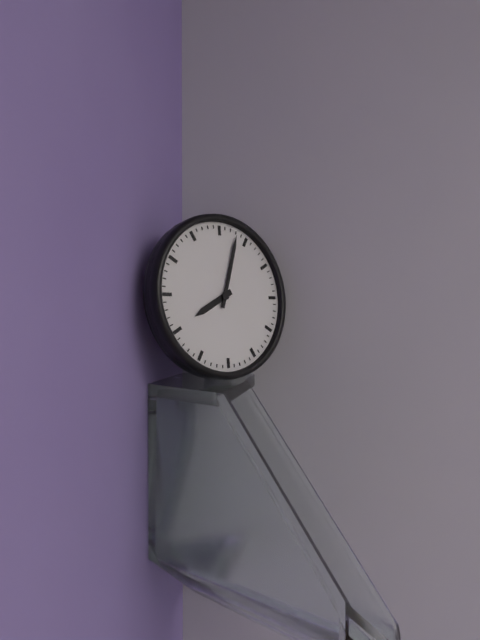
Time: {"hour": 8, "minute": 3}
